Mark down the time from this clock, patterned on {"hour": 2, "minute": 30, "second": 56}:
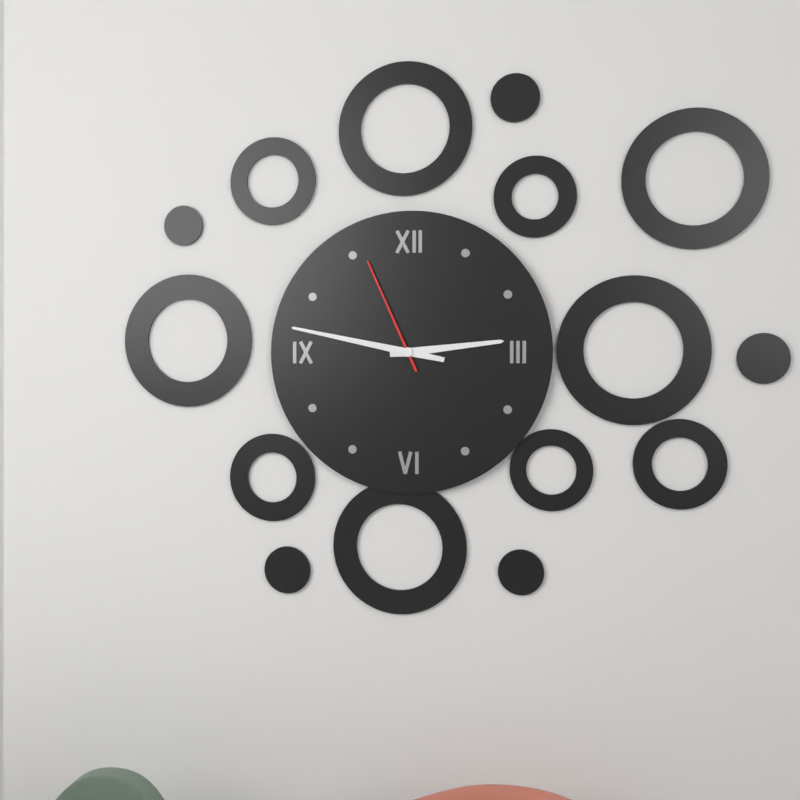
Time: {"hour": 2, "minute": 47, "second": 56}
